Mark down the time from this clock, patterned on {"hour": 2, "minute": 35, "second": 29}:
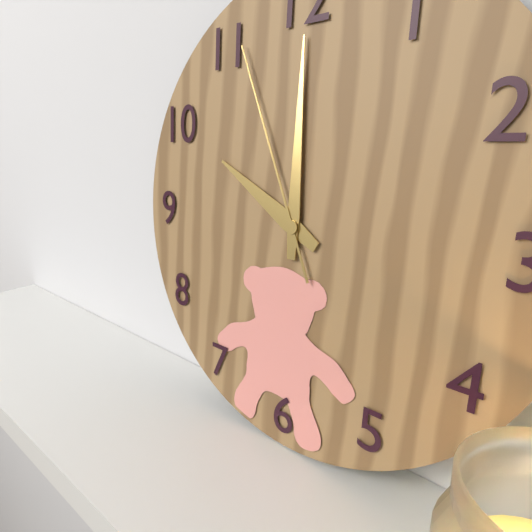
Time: {"hour": 10, "minute": 0, "second": 56}
